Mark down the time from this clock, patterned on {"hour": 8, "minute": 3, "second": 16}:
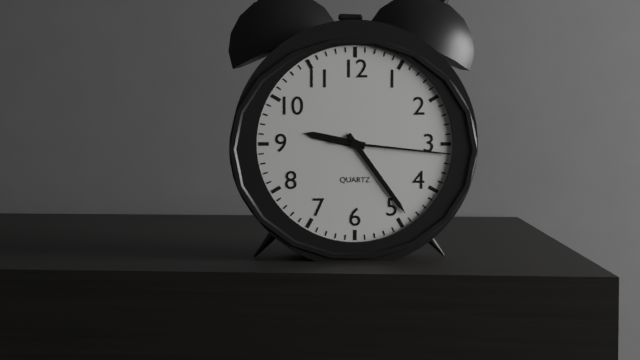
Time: {"hour": 9, "minute": 24, "second": 16}
